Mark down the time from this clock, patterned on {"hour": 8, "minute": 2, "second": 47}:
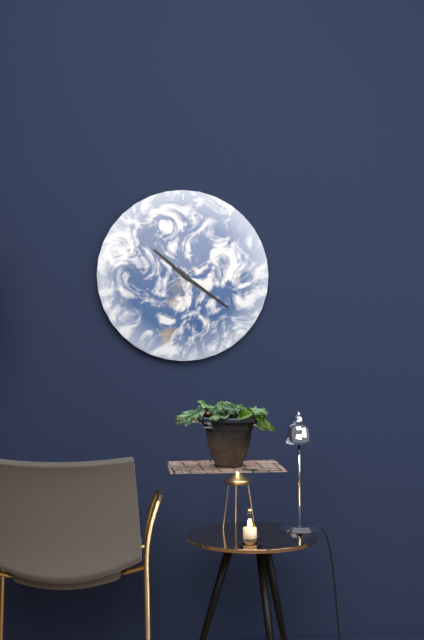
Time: {"hour": 10, "minute": 21, "second": 10}
